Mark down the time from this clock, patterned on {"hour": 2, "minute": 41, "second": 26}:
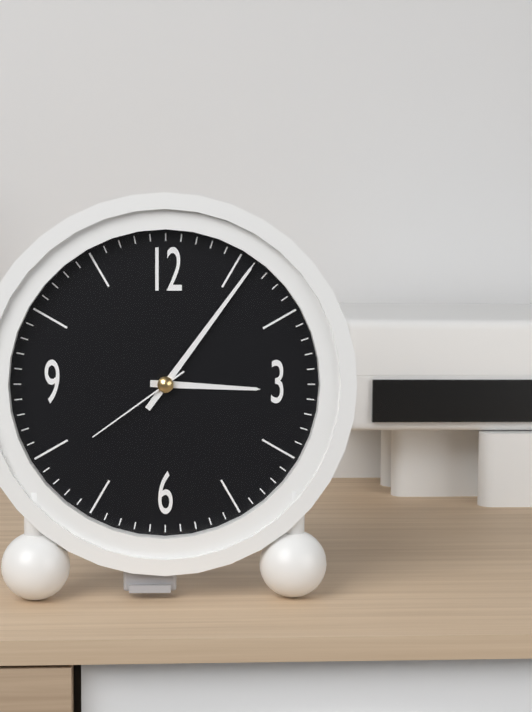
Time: {"hour": 3, "minute": 6, "second": 39}
